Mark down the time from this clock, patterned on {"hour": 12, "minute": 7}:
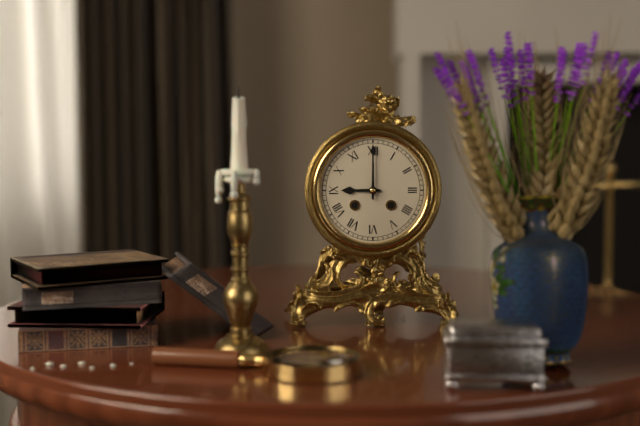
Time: {"hour": 9, "minute": 0}
